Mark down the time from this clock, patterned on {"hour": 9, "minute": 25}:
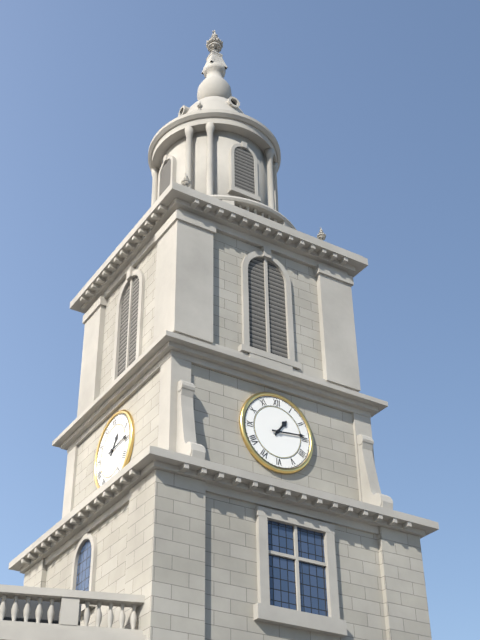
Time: {"hour": 1, "minute": 14}
